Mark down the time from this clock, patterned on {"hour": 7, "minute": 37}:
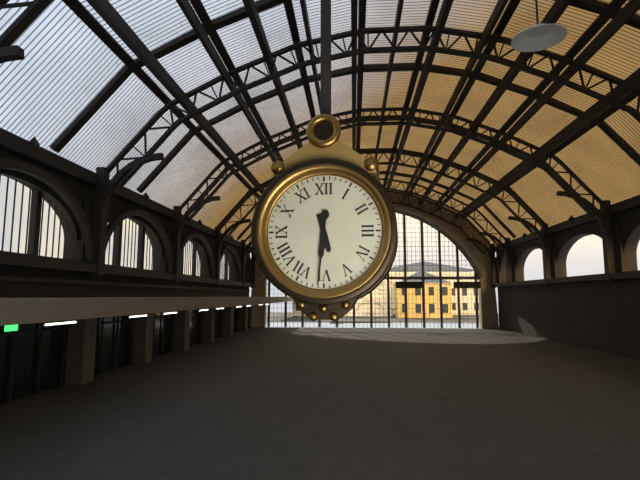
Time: {"hour": 5, "minute": 31}
